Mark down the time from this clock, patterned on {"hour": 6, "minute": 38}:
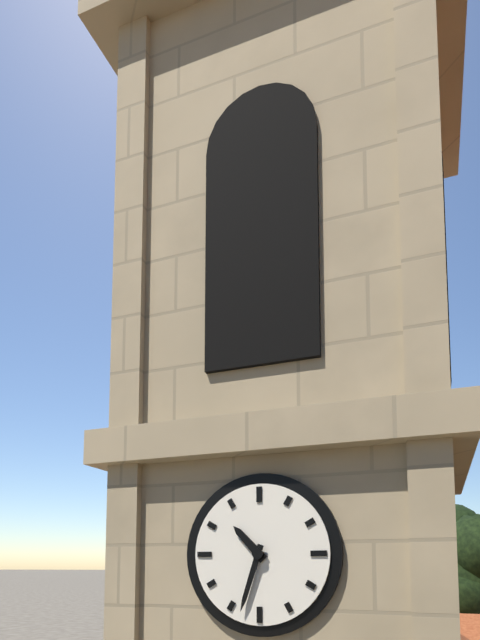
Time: {"hour": 10, "minute": 33}
